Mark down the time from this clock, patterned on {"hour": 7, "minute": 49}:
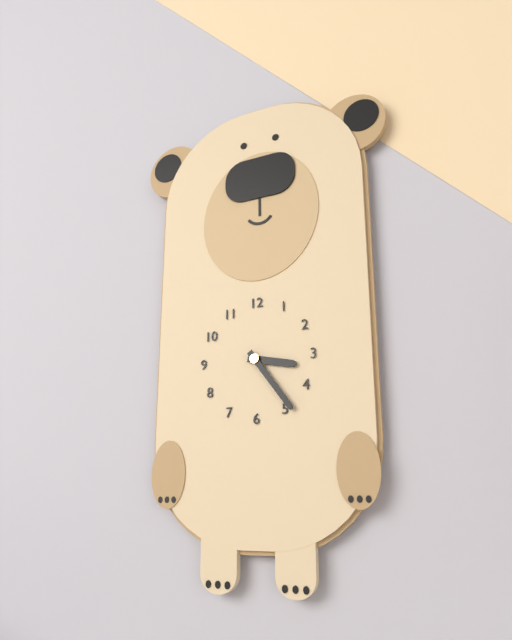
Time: {"hour": 3, "minute": 24}
